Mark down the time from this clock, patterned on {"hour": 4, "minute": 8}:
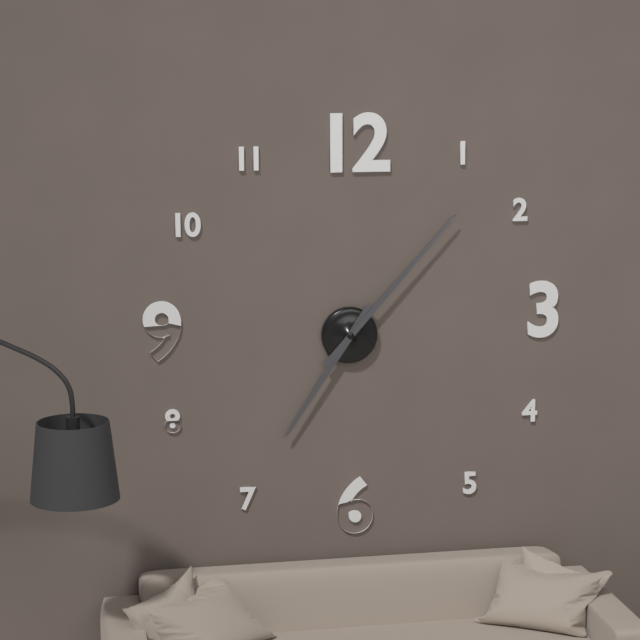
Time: {"hour": 7, "minute": 7}
